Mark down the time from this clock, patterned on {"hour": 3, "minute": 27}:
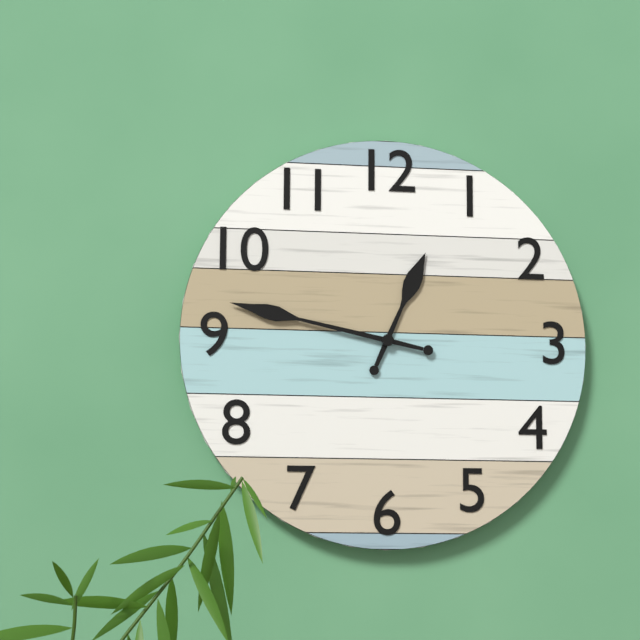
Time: {"hour": 12, "minute": 47}
